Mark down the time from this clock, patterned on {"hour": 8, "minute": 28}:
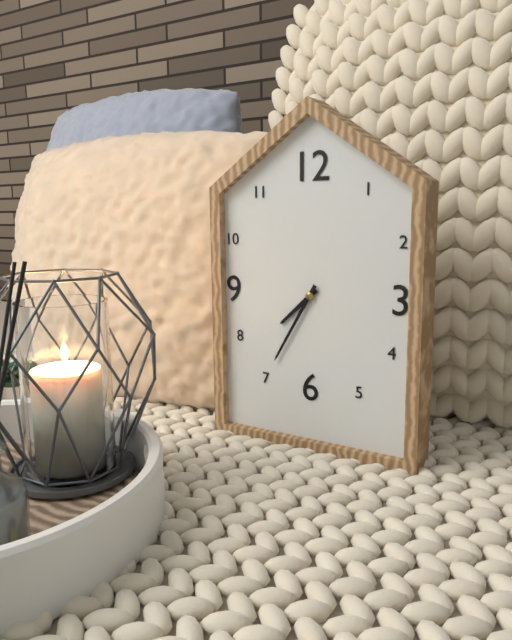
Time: {"hour": 7, "minute": 35}
